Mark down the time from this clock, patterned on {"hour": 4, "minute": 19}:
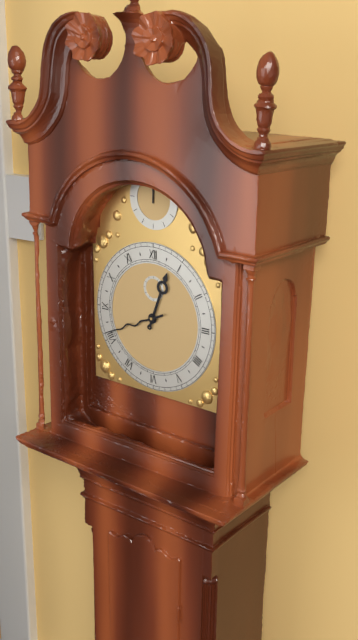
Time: {"hour": 12, "minute": 41}
